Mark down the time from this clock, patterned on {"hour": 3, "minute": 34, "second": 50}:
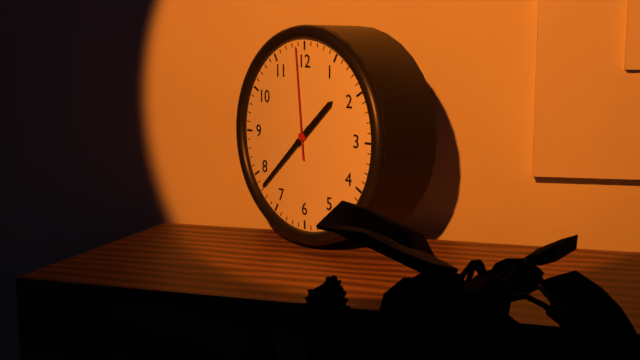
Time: {"hour": 1, "minute": 38, "second": 59}
